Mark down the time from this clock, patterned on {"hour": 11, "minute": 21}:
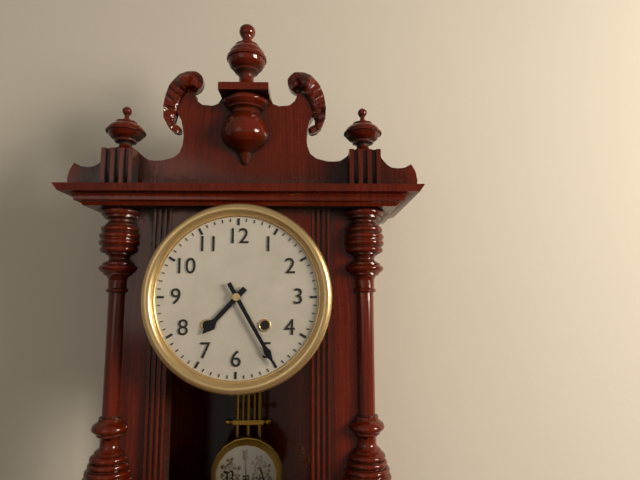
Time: {"hour": 7, "minute": 25}
